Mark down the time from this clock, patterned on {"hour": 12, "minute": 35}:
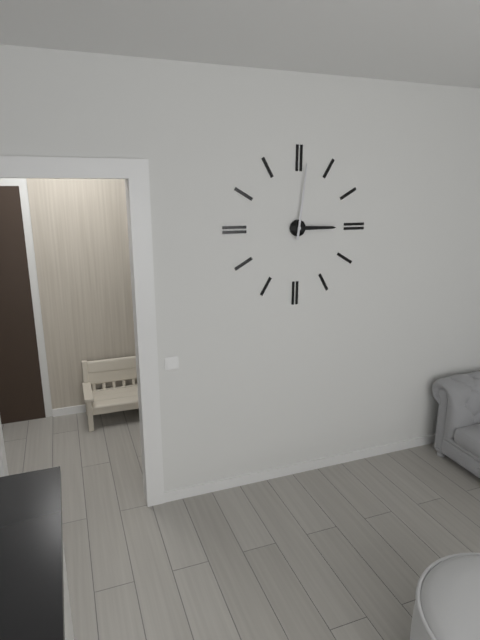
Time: {"hour": 3, "minute": 1}
